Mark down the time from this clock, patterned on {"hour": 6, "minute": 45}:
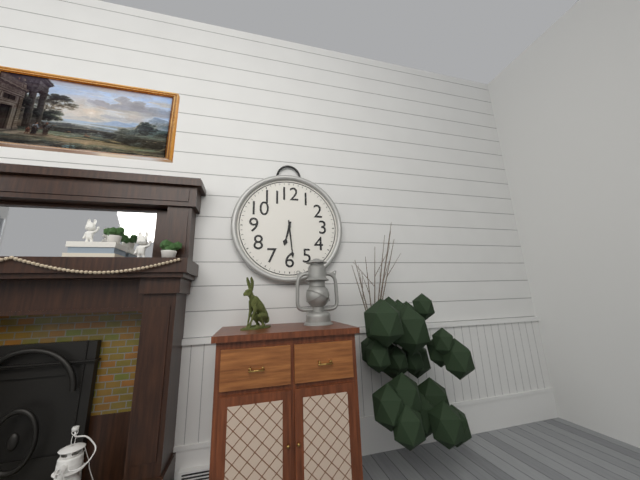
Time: {"hour": 6, "minute": 29}
